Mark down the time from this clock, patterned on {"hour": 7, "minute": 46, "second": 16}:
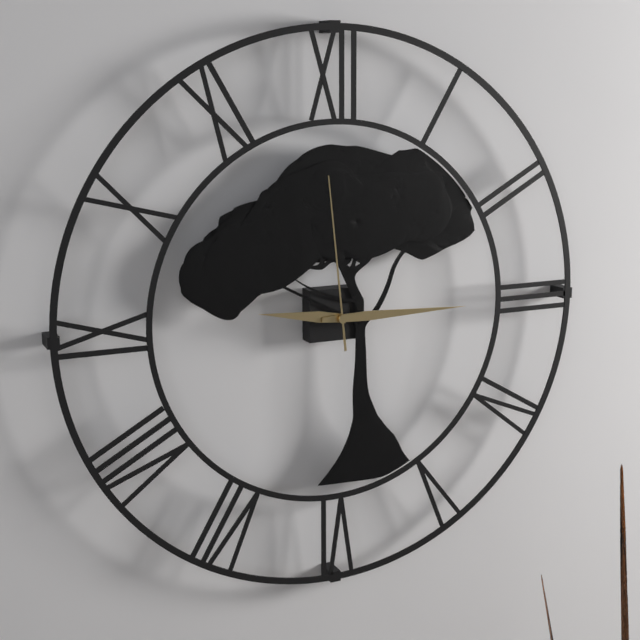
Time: {"hour": 9, "minute": 15, "second": 59}
